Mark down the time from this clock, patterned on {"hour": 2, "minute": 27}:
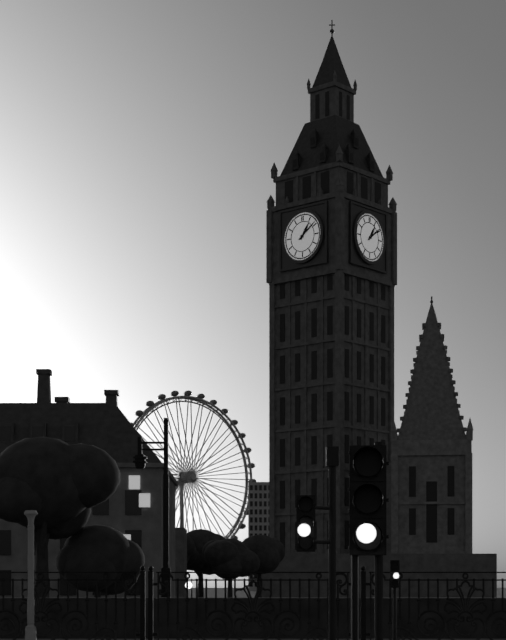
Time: {"hour": 1, "minute": 9}
